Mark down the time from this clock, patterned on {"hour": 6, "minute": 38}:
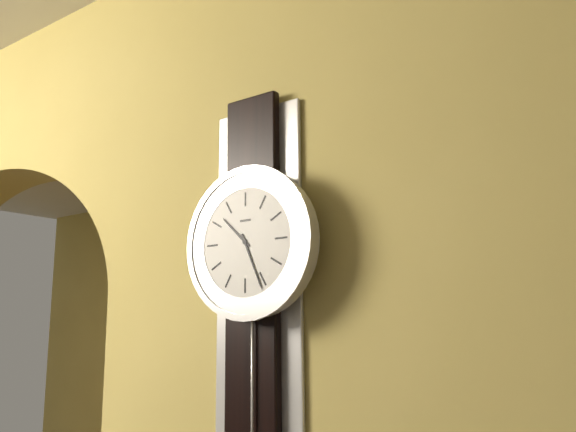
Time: {"hour": 10, "minute": 26}
